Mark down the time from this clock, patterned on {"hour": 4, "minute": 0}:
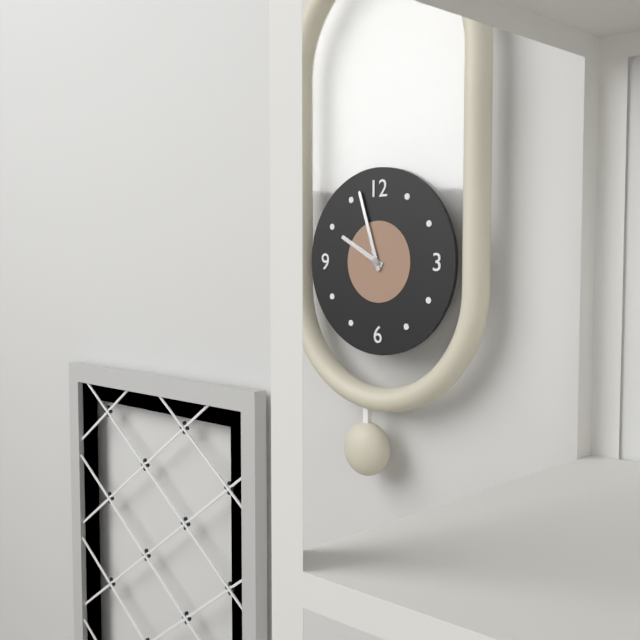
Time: {"hour": 9, "minute": 57}
